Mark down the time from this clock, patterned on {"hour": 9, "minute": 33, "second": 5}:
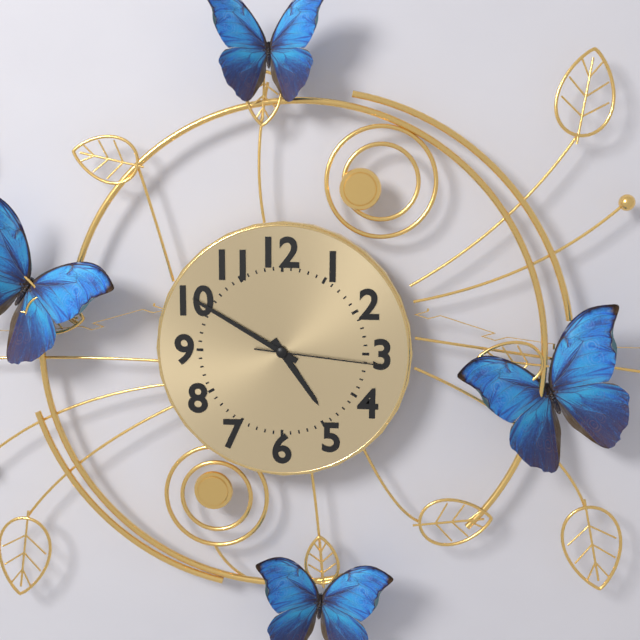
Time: {"hour": 4, "minute": 50, "second": 16}
